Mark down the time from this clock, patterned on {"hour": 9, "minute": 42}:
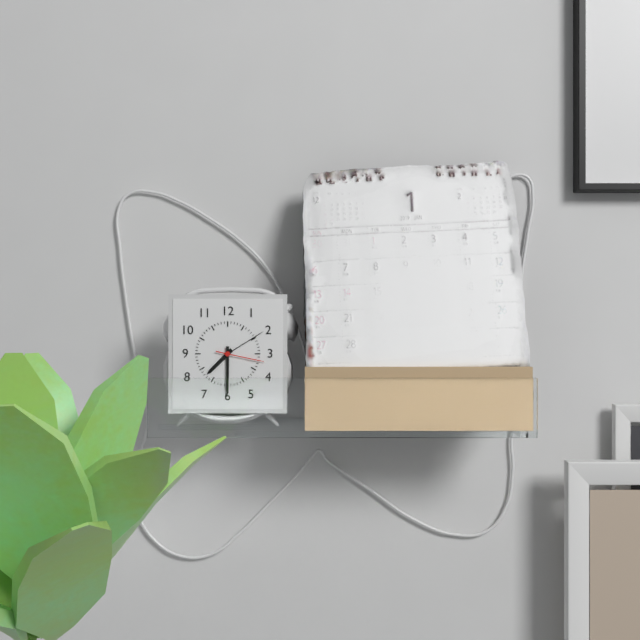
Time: {"hour": 7, "minute": 30}
